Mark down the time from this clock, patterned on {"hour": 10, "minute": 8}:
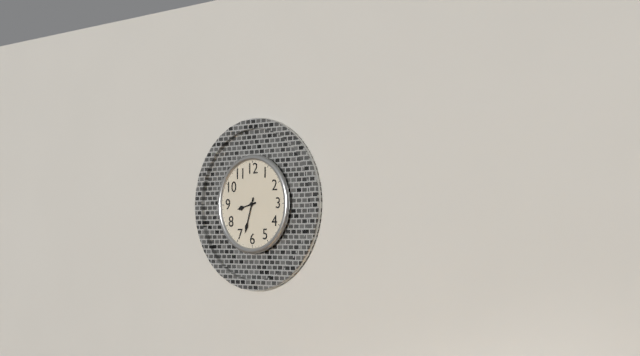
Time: {"hour": 8, "minute": 33}
